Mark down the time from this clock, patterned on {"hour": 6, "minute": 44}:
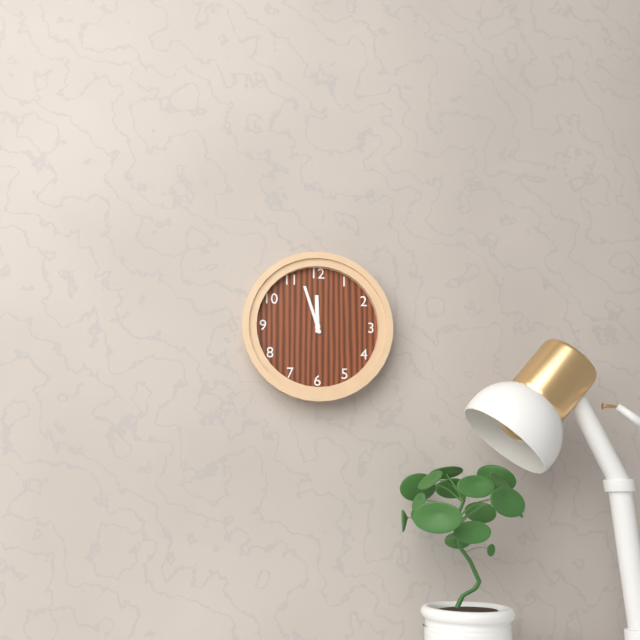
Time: {"hour": 11, "minute": 57}
